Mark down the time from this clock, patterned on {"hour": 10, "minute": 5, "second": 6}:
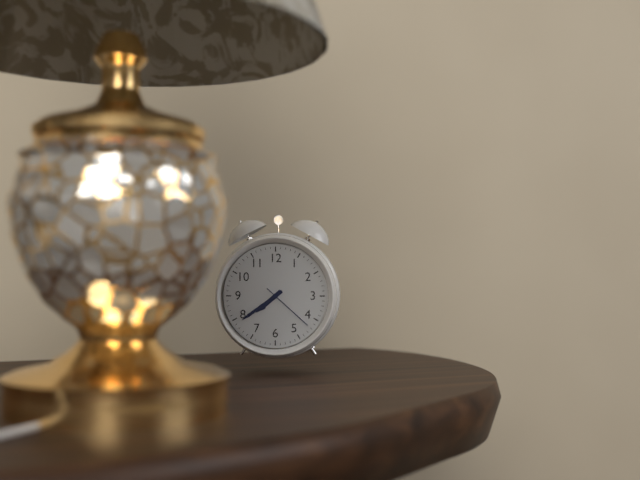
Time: {"hour": 7, "minute": 39, "second": 22}
